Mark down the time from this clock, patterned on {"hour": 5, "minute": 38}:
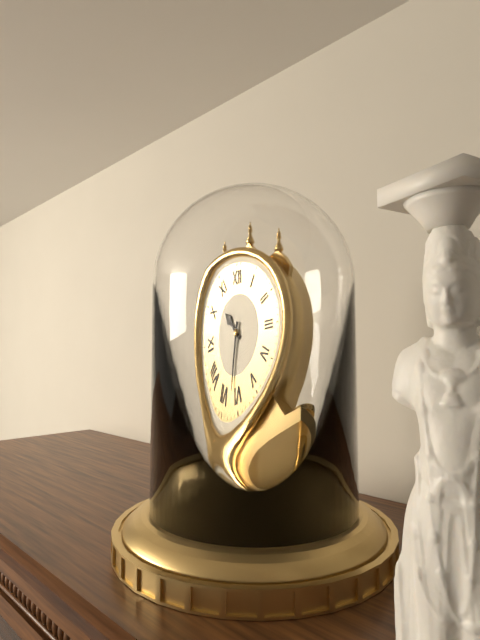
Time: {"hour": 10, "minute": 32}
